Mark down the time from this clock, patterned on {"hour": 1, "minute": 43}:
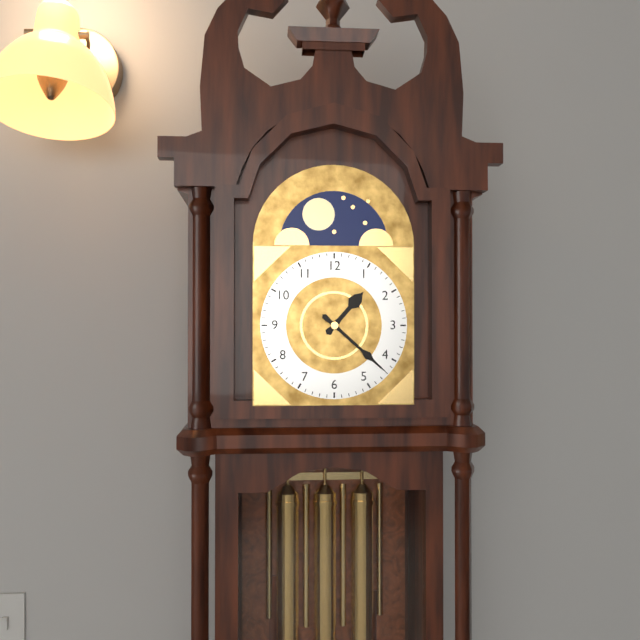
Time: {"hour": 1, "minute": 22}
